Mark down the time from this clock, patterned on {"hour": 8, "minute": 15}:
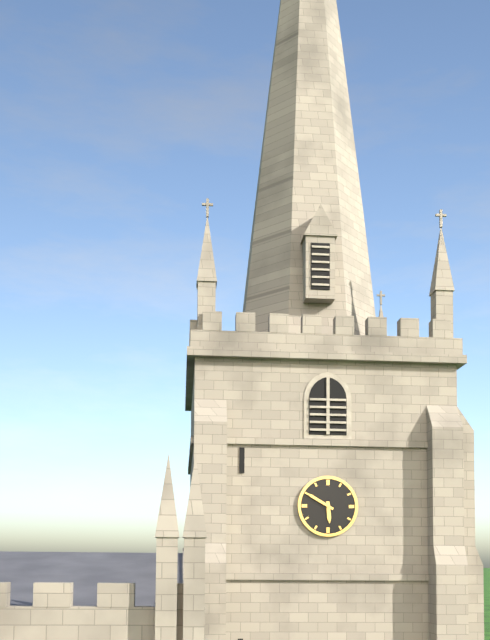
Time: {"hour": 5, "minute": 50}
